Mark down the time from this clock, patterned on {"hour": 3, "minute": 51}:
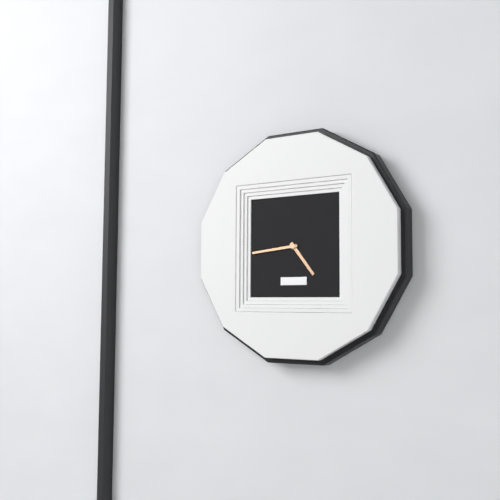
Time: {"hour": 4, "minute": 44}
